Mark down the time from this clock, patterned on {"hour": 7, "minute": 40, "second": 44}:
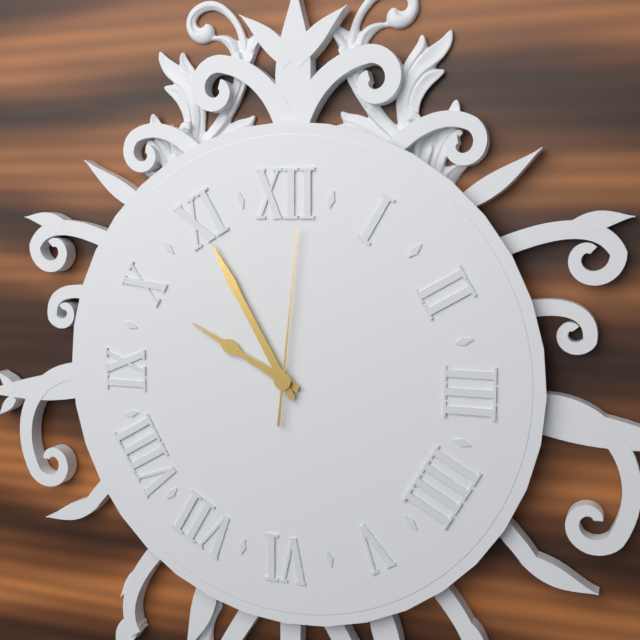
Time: {"hour": 9, "minute": 55, "second": 1}
